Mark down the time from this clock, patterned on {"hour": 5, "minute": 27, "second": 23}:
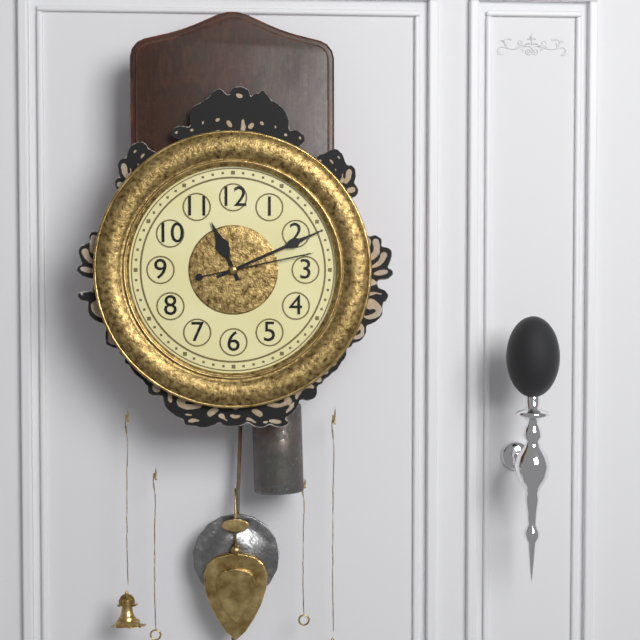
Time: {"hour": 11, "minute": 11, "second": 13}
